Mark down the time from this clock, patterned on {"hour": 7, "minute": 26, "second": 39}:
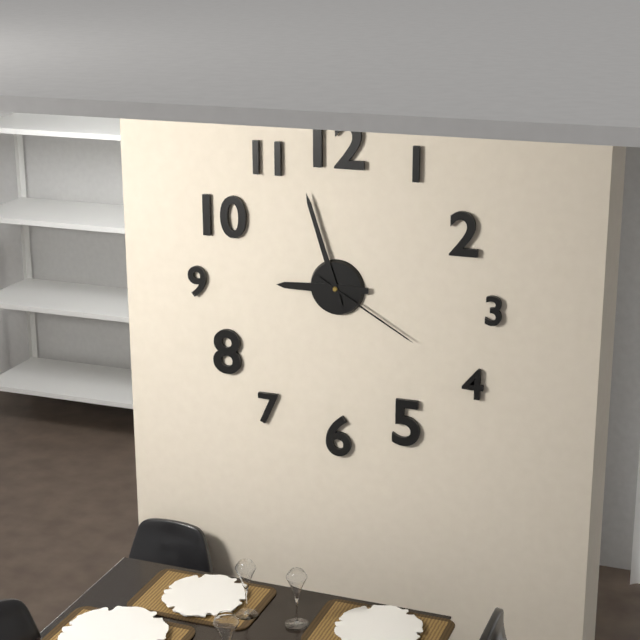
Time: {"hour": 8, "minute": 57, "second": 20}
